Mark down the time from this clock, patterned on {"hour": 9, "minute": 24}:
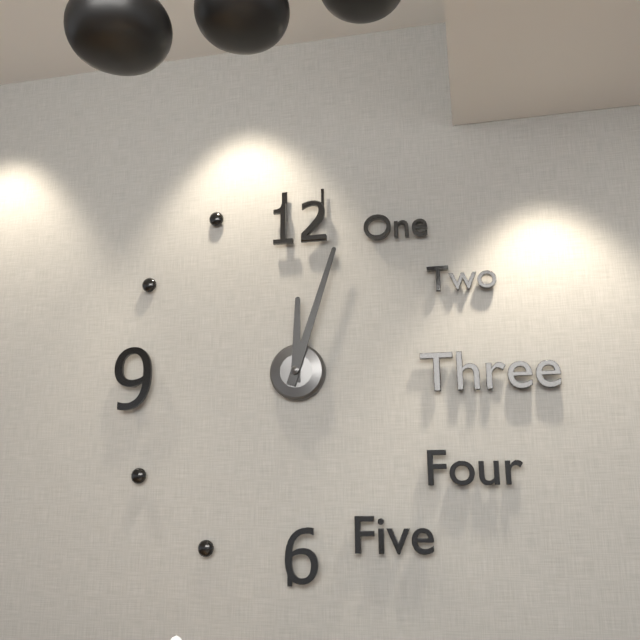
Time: {"hour": 12, "minute": 3}
